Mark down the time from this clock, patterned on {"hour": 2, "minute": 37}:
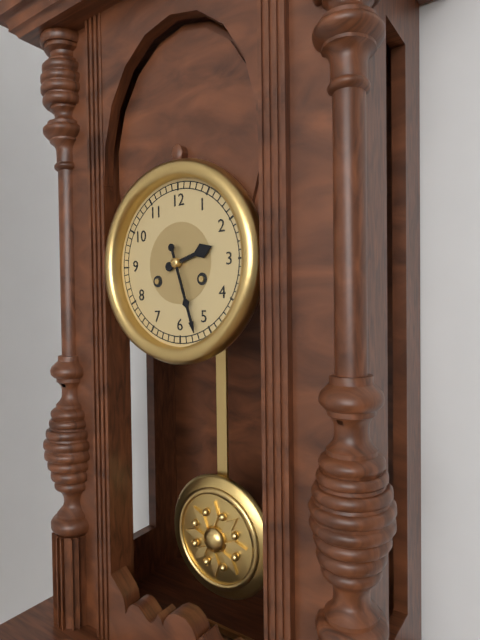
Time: {"hour": 2, "minute": 27}
